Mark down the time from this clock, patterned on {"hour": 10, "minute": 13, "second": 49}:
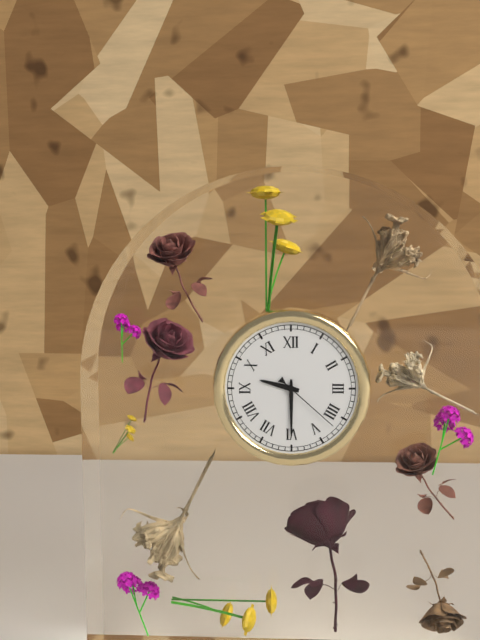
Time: {"hour": 9, "minute": 30, "second": 22}
